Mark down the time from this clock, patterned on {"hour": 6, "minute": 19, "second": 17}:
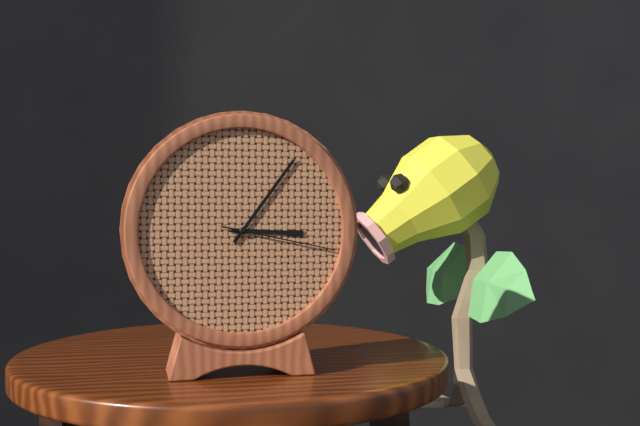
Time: {"hour": 3, "minute": 6, "second": 17}
